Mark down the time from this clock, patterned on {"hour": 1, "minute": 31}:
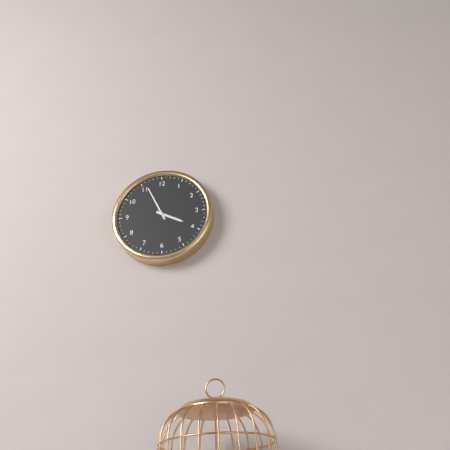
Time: {"hour": 3, "minute": 56}
